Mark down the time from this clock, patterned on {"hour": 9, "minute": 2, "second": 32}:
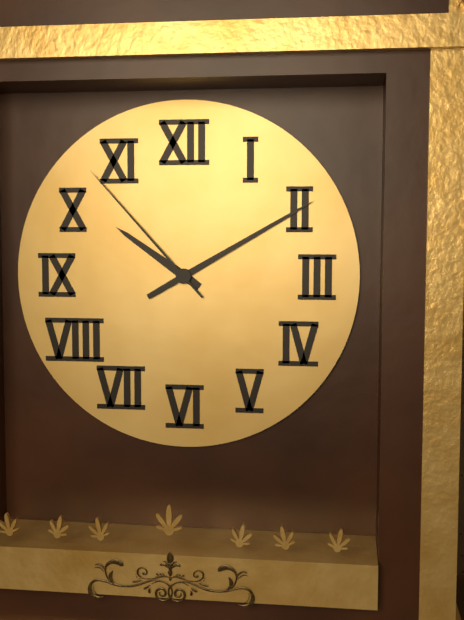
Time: {"hour": 10, "minute": 10, "second": 53}
